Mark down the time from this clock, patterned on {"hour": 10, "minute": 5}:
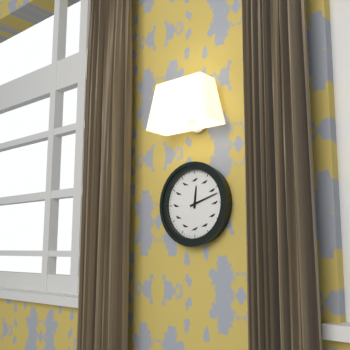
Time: {"hour": 12, "minute": 12}
